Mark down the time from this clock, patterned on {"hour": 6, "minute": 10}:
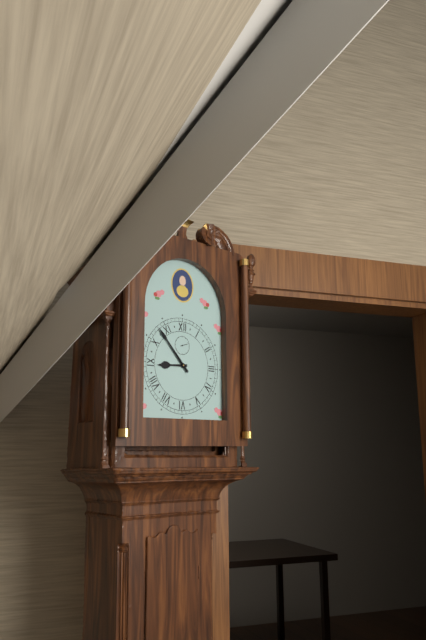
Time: {"hour": 8, "minute": 53}
